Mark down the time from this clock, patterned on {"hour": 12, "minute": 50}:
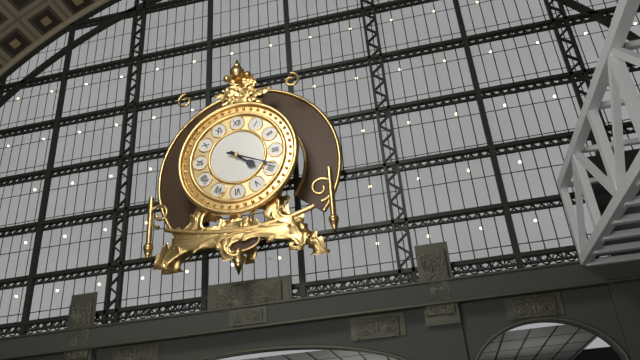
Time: {"hour": 4, "minute": 19}
